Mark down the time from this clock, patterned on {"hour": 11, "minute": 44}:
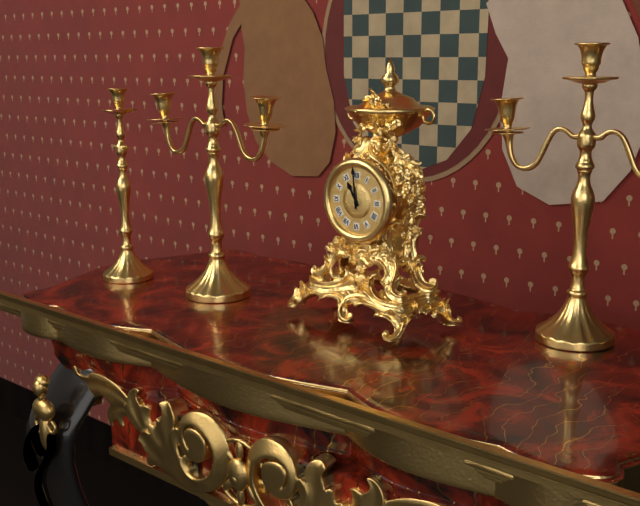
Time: {"hour": 10, "minute": 59}
